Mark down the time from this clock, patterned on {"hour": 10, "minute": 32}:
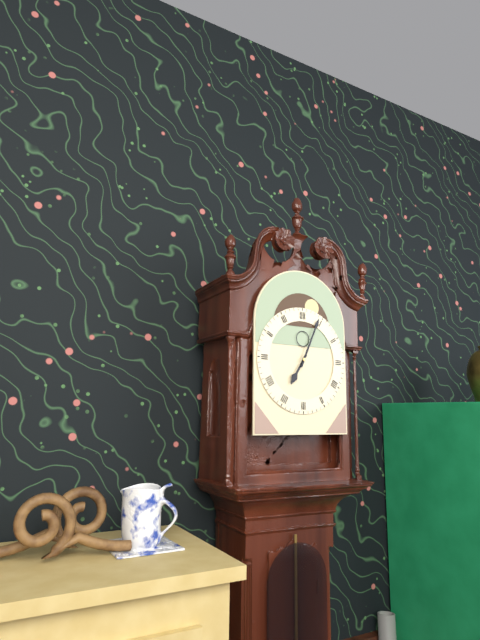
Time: {"hour": 7, "minute": 4}
